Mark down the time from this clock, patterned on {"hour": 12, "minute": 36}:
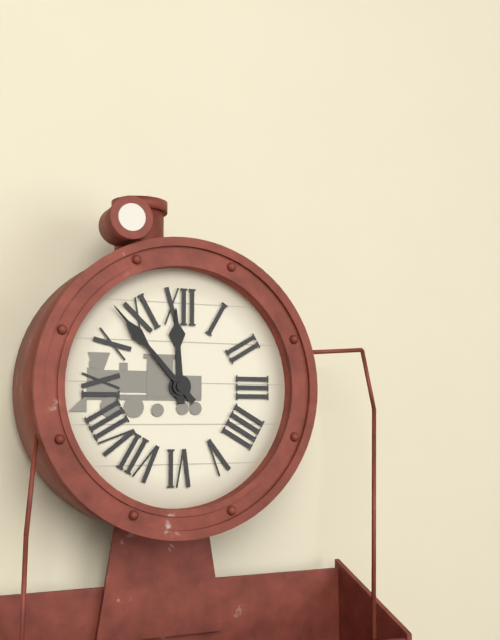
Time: {"hour": 11, "minute": 53}
